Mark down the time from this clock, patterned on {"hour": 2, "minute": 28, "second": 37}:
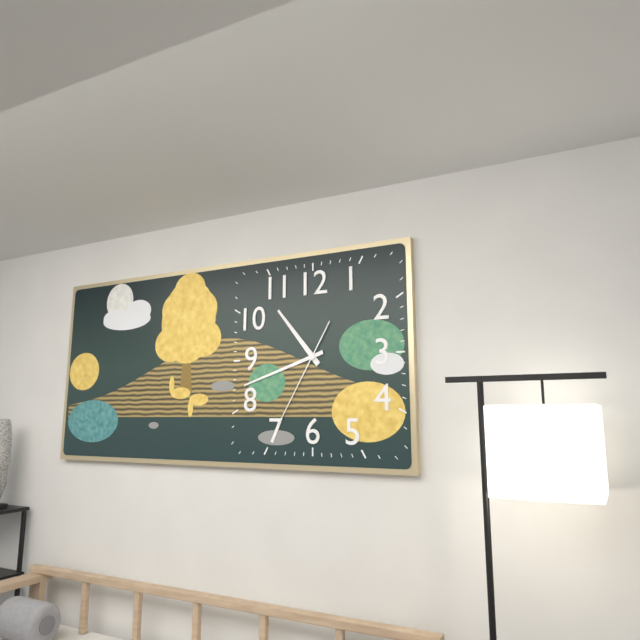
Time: {"hour": 10, "minute": 42, "second": 35}
